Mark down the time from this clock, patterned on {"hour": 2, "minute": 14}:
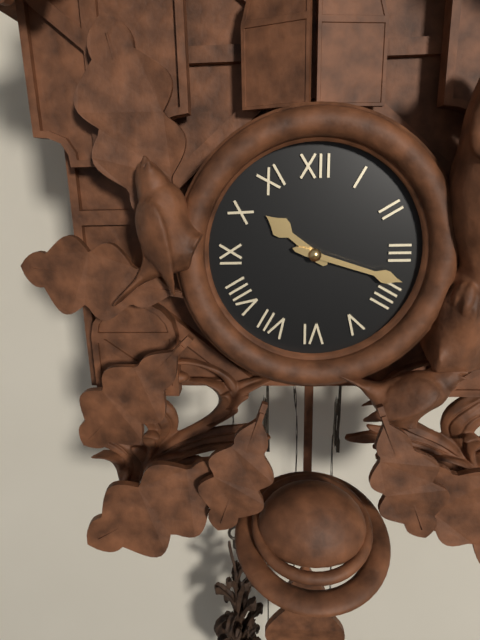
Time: {"hour": 10, "minute": 18}
